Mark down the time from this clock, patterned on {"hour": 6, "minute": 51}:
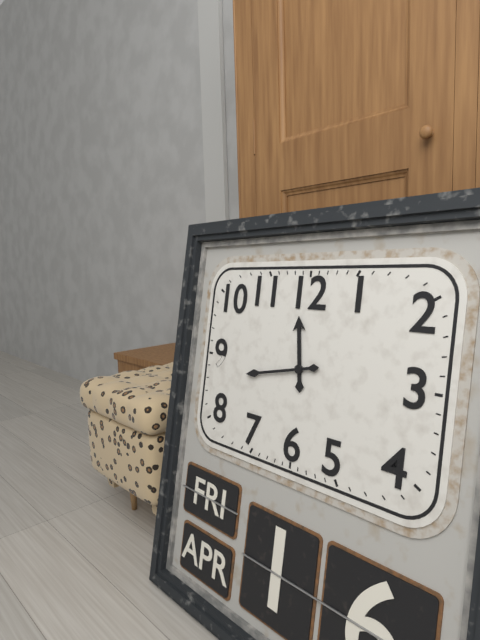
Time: {"hour": 11, "minute": 43}
